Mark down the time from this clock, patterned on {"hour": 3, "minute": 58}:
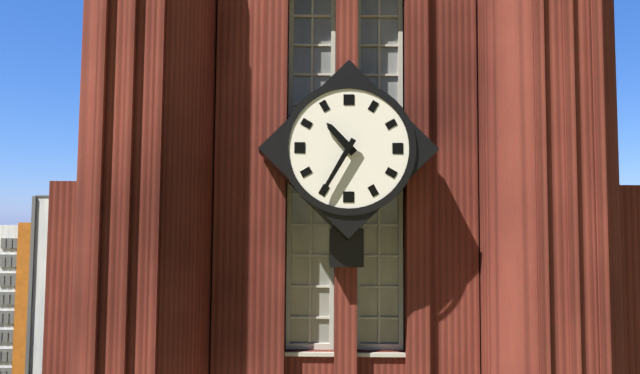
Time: {"hour": 10, "minute": 35}
